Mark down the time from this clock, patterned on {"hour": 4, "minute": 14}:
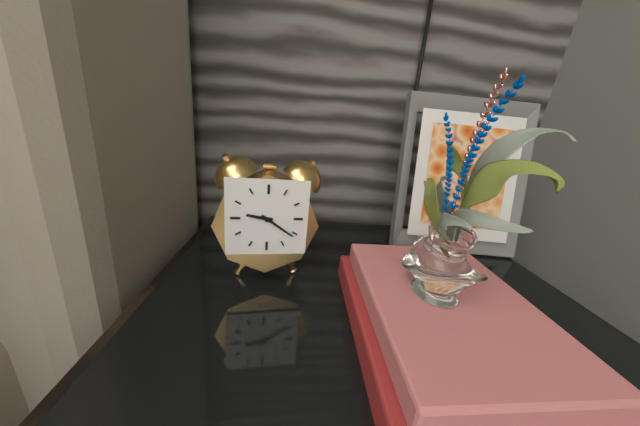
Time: {"hour": 9, "minute": 21}
